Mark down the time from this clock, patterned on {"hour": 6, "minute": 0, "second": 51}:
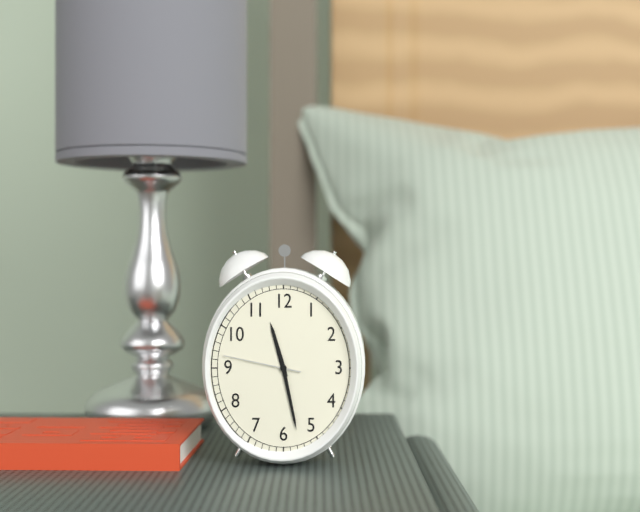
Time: {"hour": 11, "minute": 28, "second": 47}
